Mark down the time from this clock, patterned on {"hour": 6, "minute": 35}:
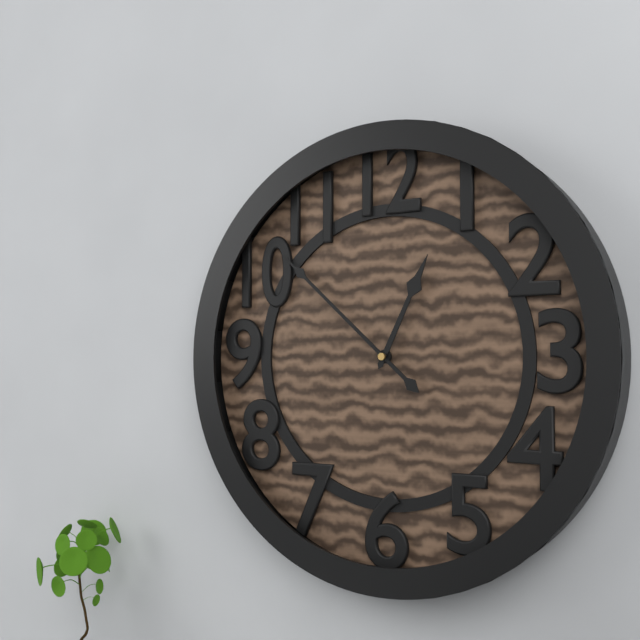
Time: {"hour": 12, "minute": 52}
